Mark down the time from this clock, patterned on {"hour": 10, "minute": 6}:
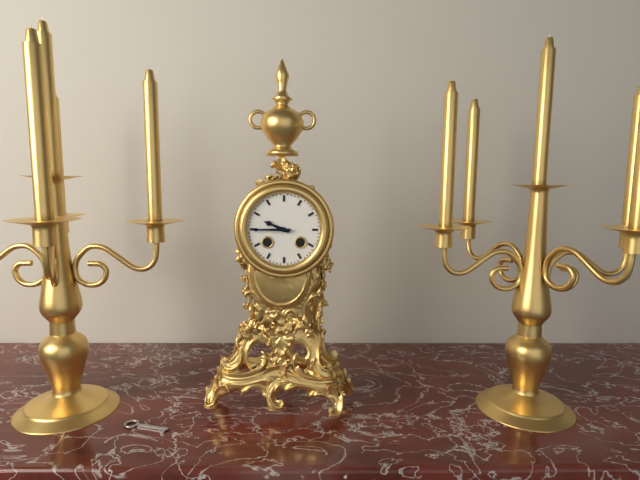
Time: {"hour": 9, "minute": 45}
